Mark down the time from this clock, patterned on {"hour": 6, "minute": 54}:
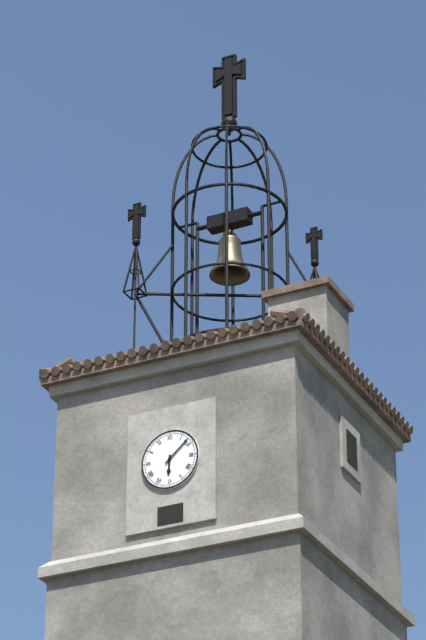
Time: {"hour": 6, "minute": 8}
